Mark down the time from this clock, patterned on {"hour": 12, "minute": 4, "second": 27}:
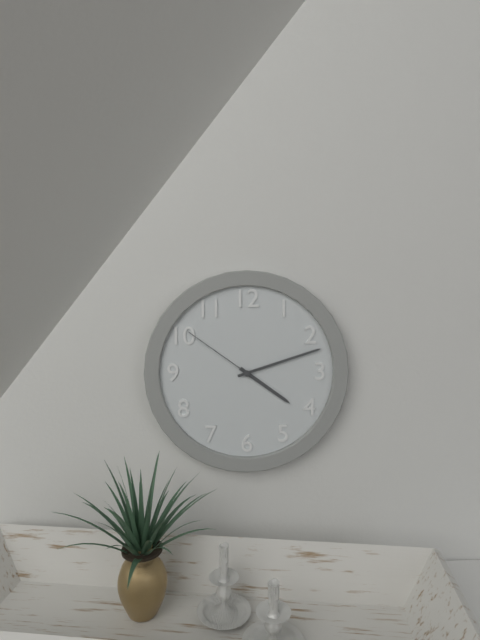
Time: {"hour": 4, "minute": 12, "second": 51}
